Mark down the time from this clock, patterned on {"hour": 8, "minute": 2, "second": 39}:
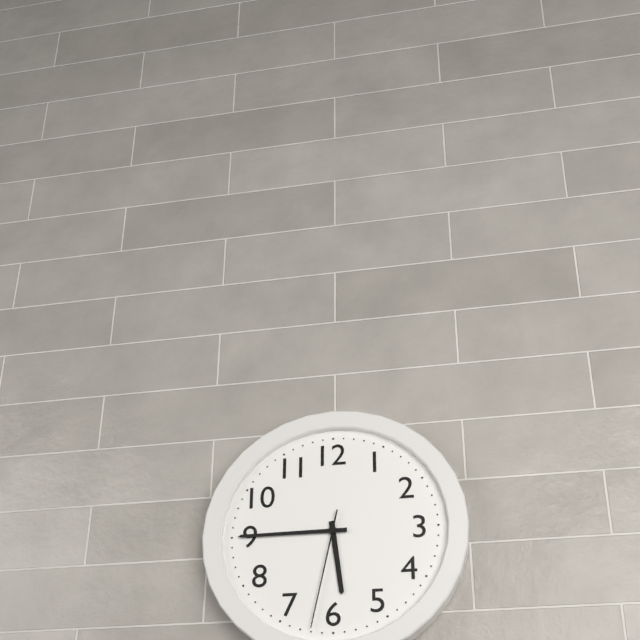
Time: {"hour": 5, "minute": 45, "second": 32}
